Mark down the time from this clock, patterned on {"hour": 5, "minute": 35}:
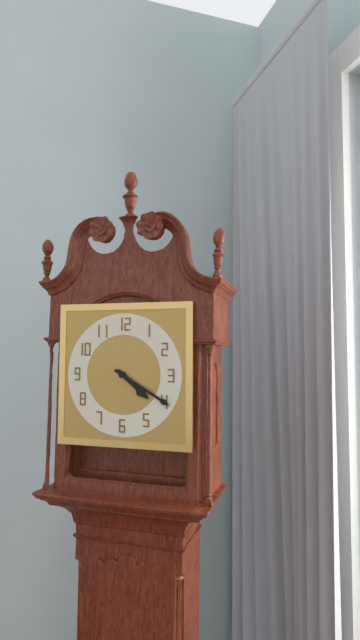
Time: {"hour": 4, "minute": 20}
